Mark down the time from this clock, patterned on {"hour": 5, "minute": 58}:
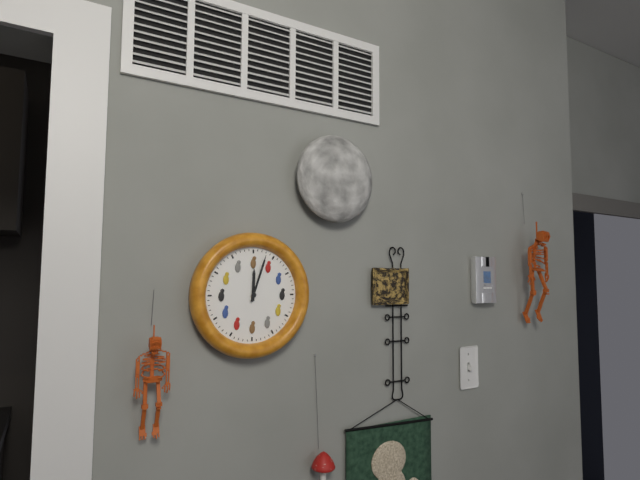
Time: {"hour": 12, "minute": 3}
